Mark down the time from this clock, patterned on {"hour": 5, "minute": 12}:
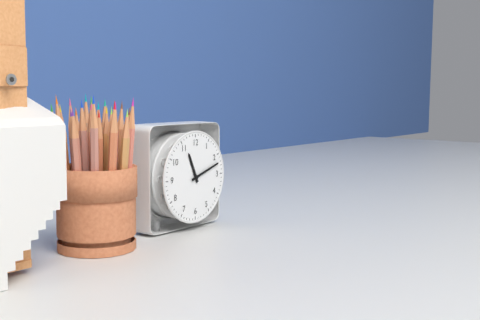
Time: {"hour": 11, "minute": 12}
